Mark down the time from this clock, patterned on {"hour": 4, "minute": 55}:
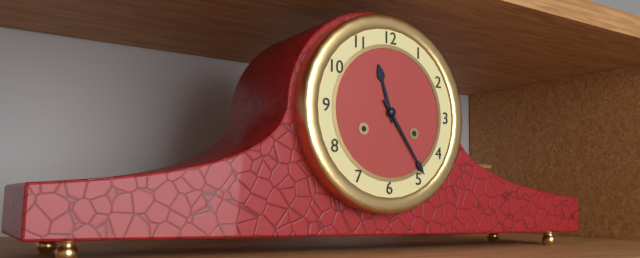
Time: {"hour": 11, "minute": 24}
